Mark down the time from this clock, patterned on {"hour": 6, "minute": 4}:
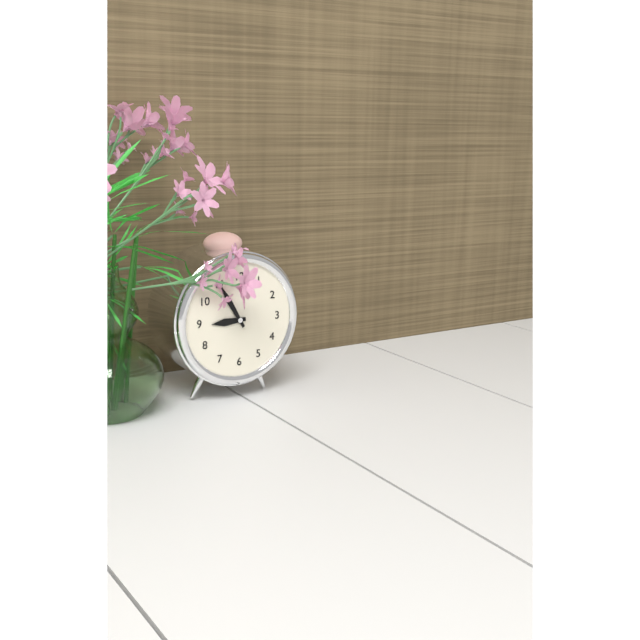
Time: {"hour": 8, "minute": 55}
